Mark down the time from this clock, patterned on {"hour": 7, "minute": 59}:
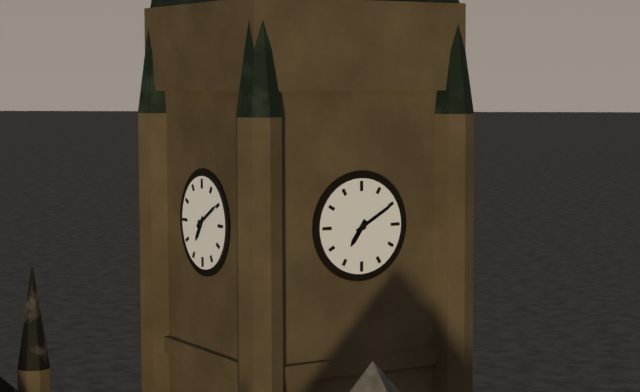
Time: {"hour": 7, "minute": 10}
